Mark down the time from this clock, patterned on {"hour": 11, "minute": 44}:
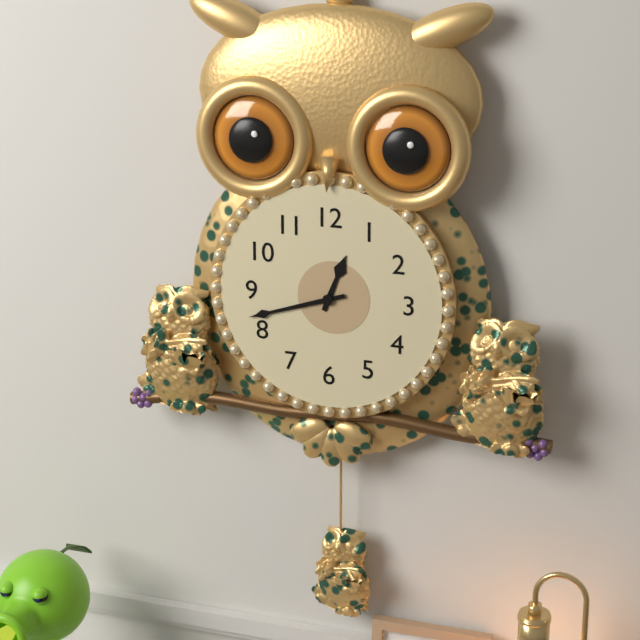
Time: {"hour": 12, "minute": 42}
